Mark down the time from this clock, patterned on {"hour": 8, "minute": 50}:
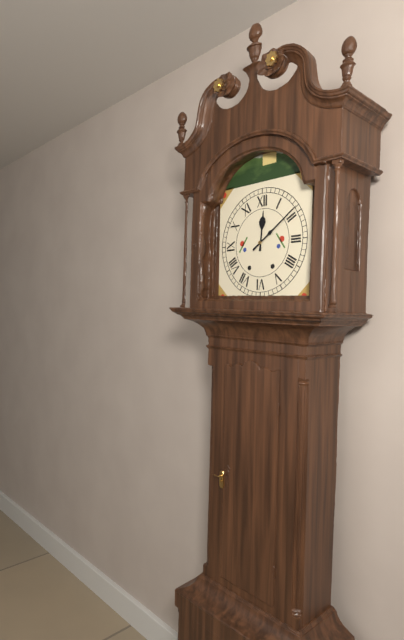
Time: {"hour": 12, "minute": 9}
